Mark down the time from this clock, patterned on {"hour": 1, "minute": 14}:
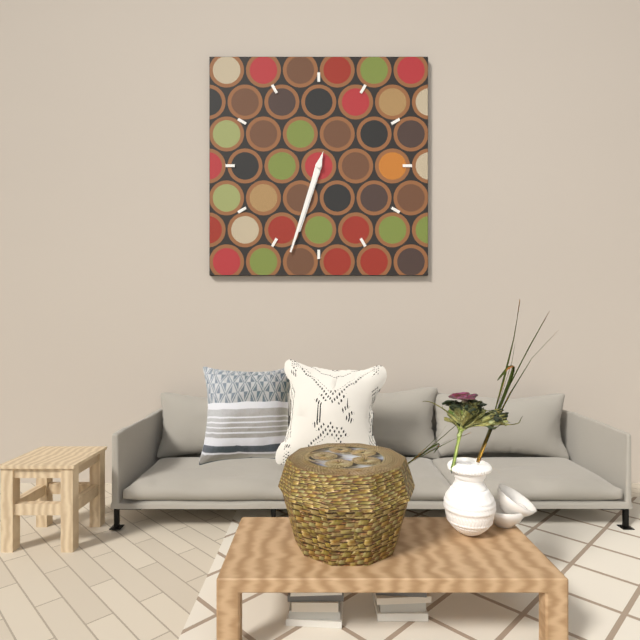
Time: {"hour": 6, "minute": 33}
